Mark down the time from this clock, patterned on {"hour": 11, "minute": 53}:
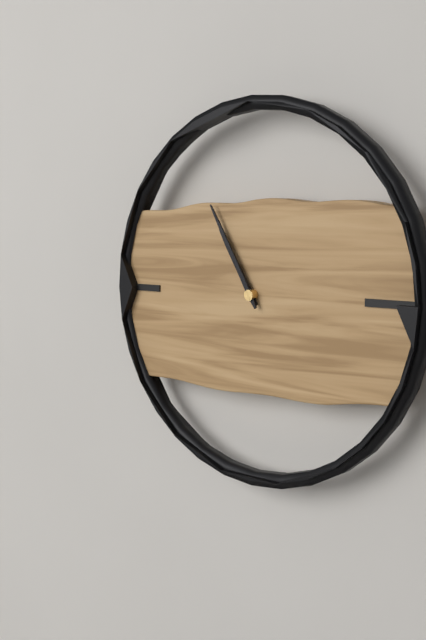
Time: {"hour": 10, "minute": 55}
